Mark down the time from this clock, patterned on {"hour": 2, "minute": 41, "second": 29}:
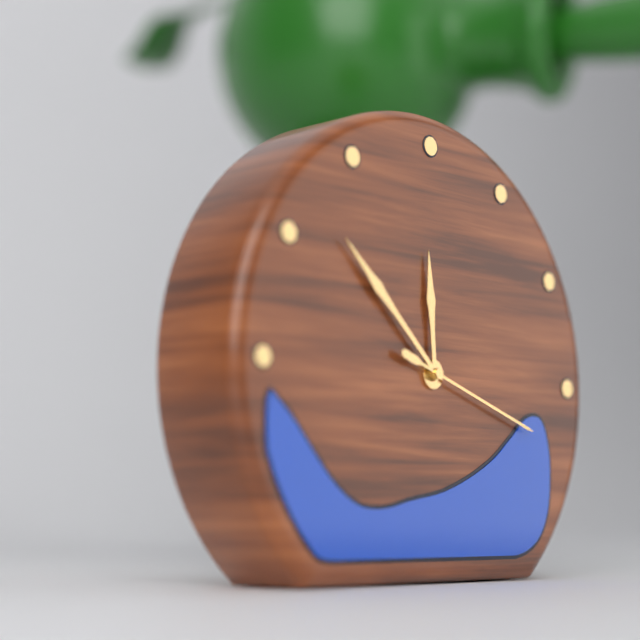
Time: {"hour": 11, "minute": 52, "second": 18}
